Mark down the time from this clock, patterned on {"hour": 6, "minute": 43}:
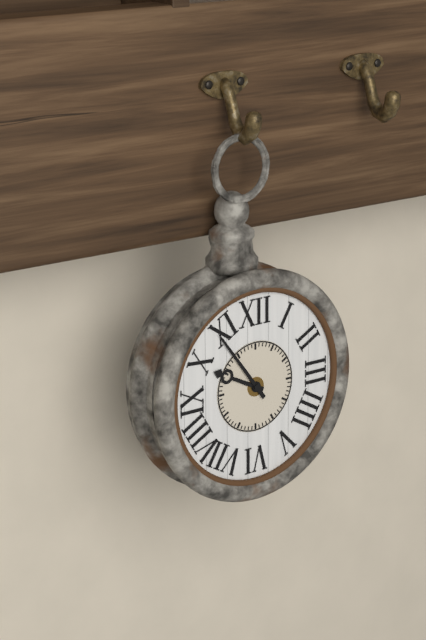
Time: {"hour": 9, "minute": 54}
